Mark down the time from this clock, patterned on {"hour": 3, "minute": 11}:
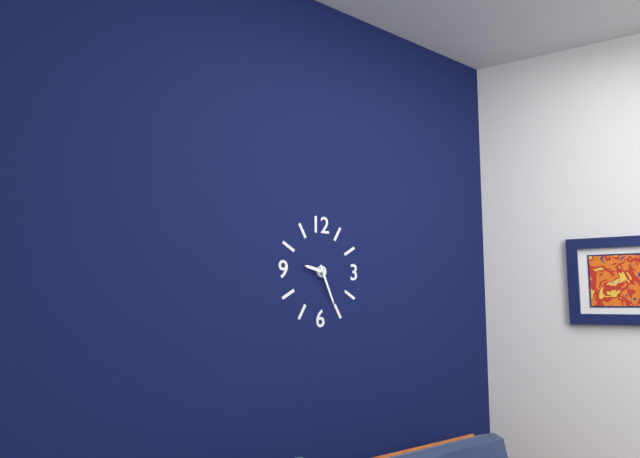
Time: {"hour": 9, "minute": 26}
